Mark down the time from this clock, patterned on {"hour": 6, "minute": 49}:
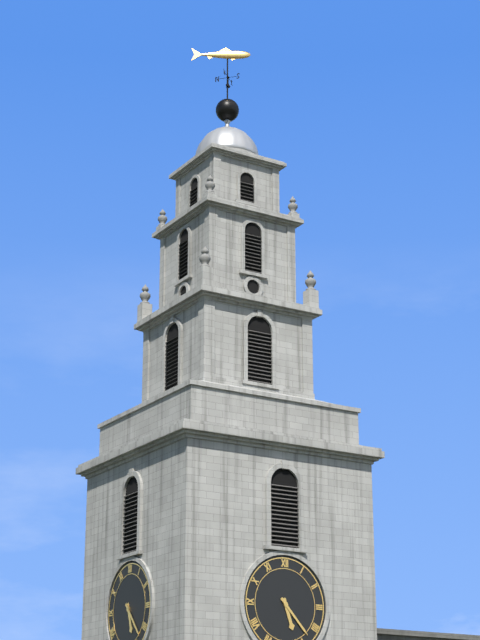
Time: {"hour": 5, "minute": 23}
